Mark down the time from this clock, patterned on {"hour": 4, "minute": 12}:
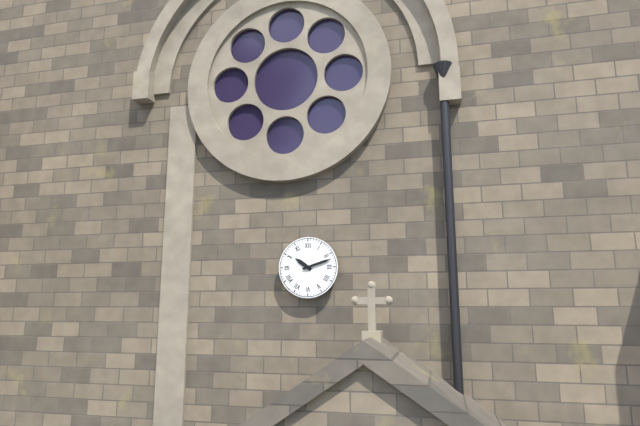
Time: {"hour": 10, "minute": 12}
